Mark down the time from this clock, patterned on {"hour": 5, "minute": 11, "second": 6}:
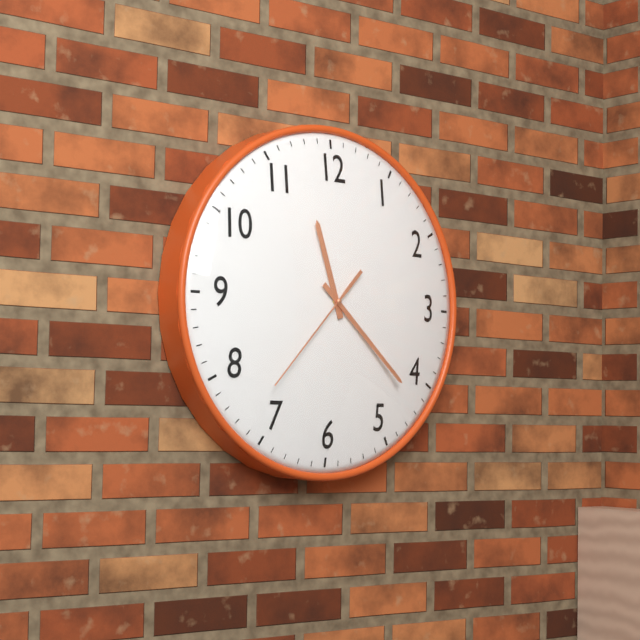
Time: {"hour": 11, "minute": 22, "second": 37}
